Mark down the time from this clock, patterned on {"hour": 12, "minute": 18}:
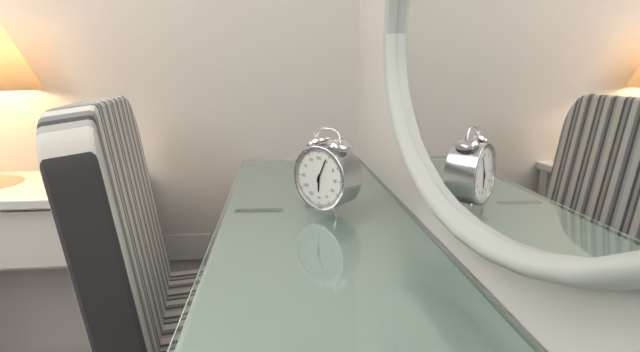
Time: {"hour": 6, "minute": 4}
